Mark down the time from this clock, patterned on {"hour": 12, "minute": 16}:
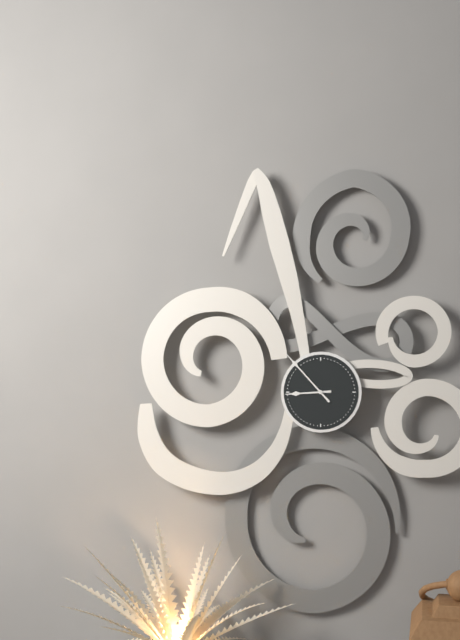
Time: {"hour": 8, "minute": 53}
